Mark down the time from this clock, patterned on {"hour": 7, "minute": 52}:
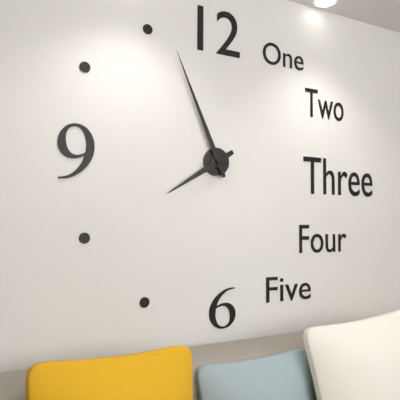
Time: {"hour": 7, "minute": 56}
